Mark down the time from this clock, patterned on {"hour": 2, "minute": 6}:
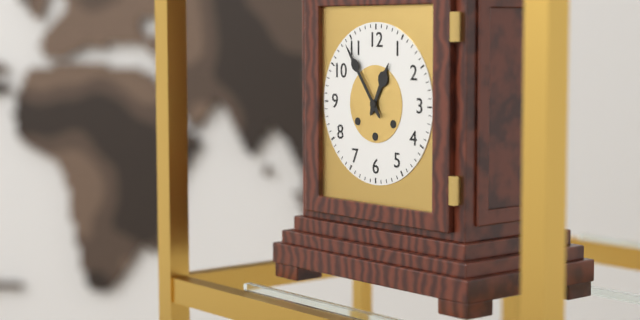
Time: {"hour": 12, "minute": 54}
